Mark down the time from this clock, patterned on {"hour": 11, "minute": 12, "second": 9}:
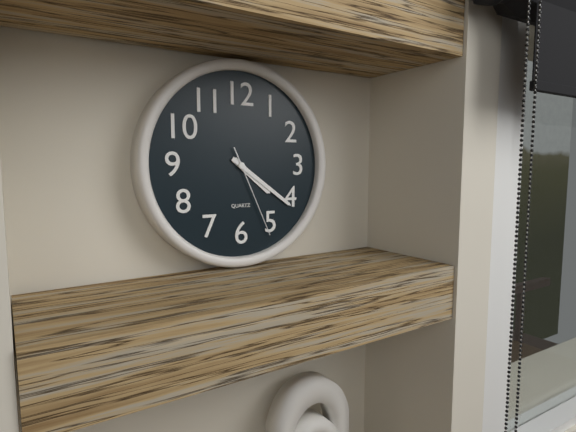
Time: {"hour": 4, "minute": 21, "second": 26}
